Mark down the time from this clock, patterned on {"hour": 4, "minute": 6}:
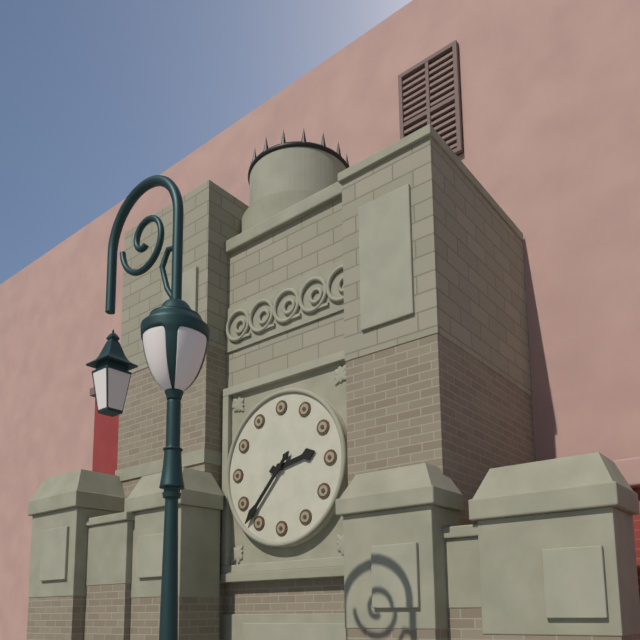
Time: {"hour": 2, "minute": 37}
